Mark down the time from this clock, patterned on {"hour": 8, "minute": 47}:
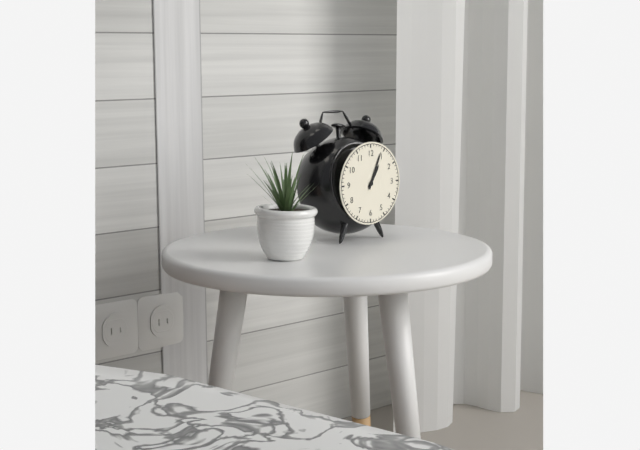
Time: {"hour": 1, "minute": 4}
